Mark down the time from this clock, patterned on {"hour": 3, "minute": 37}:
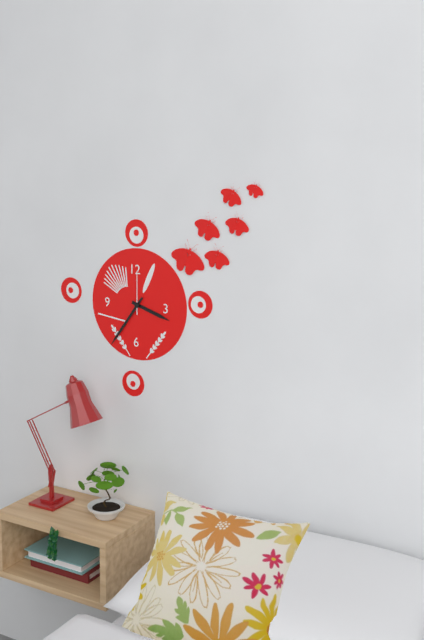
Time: {"hour": 3, "minute": 36}
